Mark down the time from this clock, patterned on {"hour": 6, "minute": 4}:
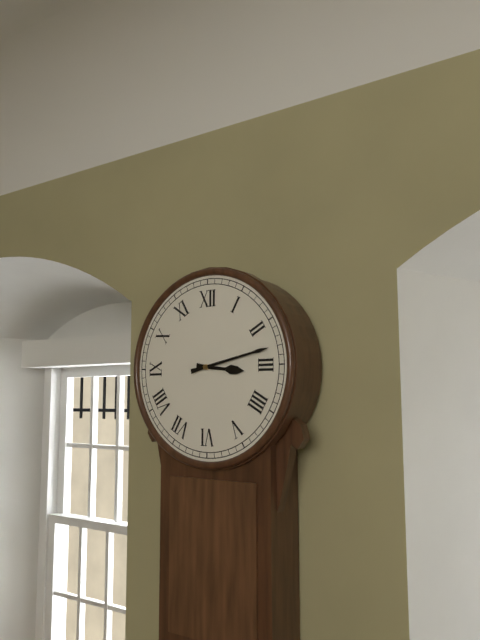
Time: {"hour": 3, "minute": 13}
